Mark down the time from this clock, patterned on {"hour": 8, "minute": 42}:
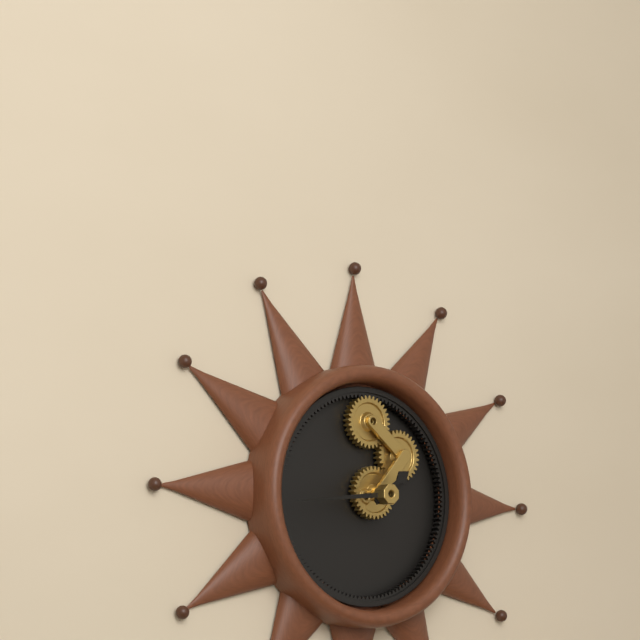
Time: {"hour": 1, "minute": 44}
